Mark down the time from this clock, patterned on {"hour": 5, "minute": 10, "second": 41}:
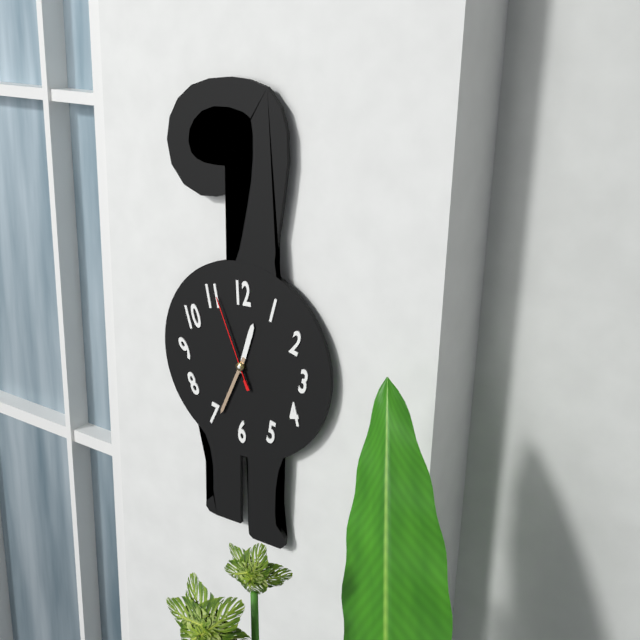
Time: {"hour": 12, "minute": 34, "second": 56}
